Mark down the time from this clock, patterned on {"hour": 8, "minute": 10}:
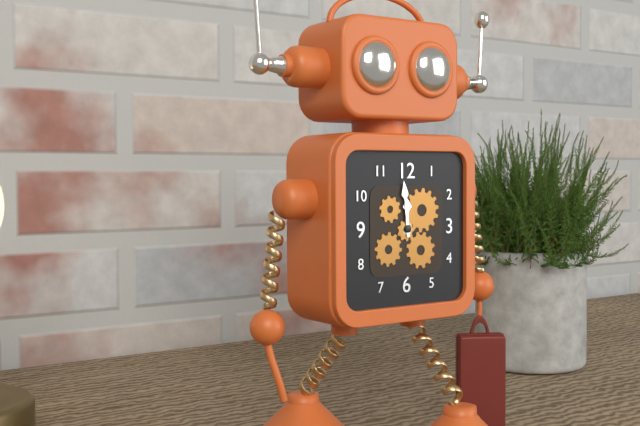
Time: {"hour": 11, "minute": 59}
